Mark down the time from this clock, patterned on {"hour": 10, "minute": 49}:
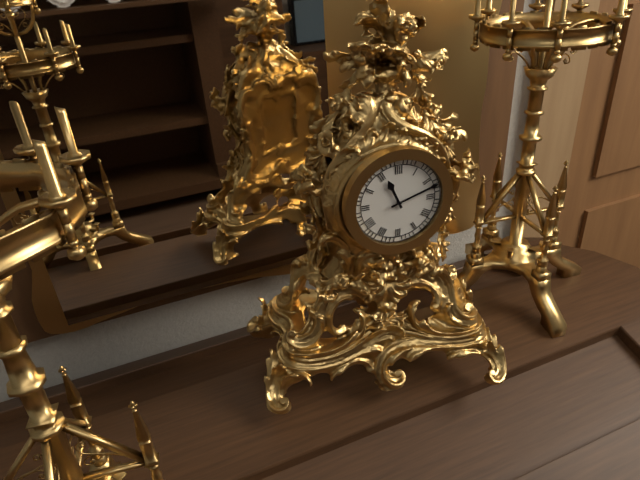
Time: {"hour": 11, "minute": 12}
